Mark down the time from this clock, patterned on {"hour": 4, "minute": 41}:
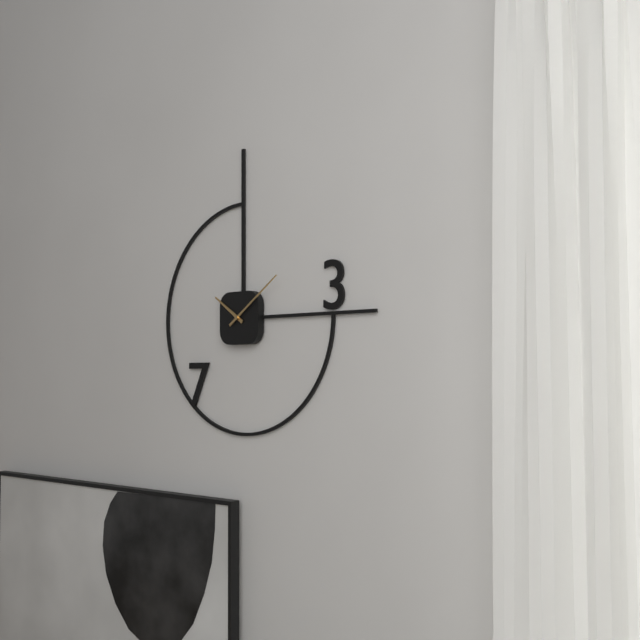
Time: {"hour": 10, "minute": 9}
